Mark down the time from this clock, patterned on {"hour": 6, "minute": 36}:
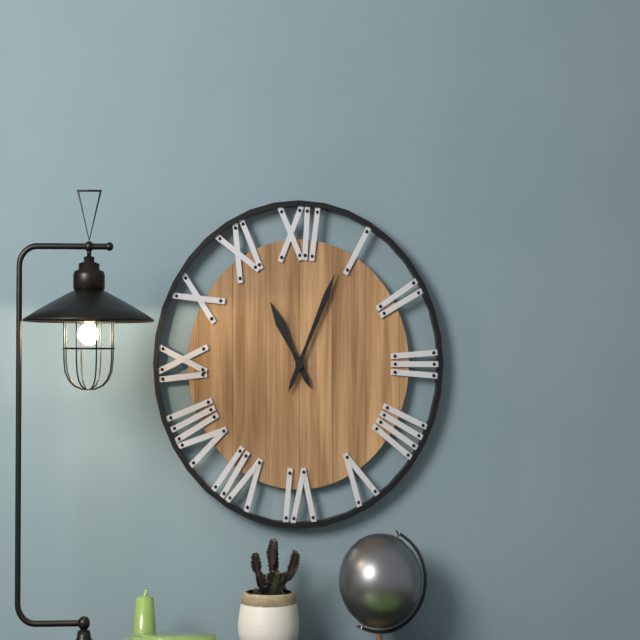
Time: {"hour": 11, "minute": 4}
